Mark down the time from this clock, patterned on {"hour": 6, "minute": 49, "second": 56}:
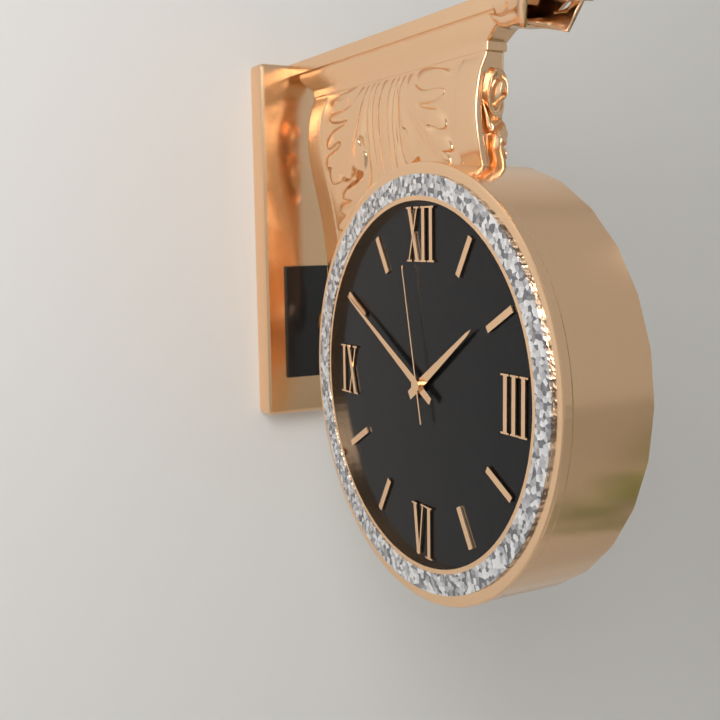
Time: {"hour": 1, "minute": 50, "second": 58}
